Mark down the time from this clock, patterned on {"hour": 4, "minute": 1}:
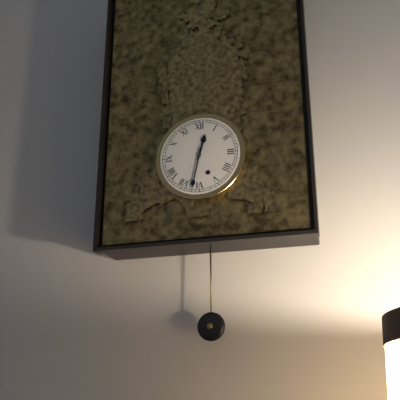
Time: {"hour": 12, "minute": 32}
